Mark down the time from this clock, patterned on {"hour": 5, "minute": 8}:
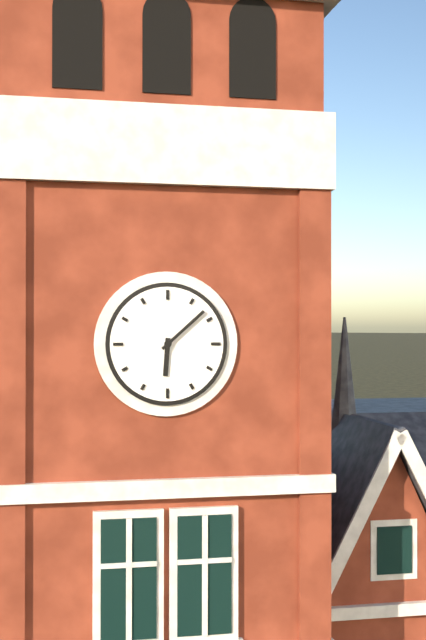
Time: {"hour": 6, "minute": 8}
